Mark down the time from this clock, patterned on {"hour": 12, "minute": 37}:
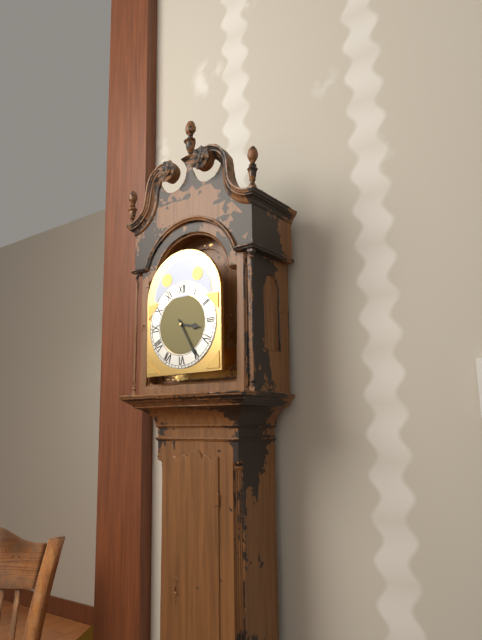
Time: {"hour": 3, "minute": 25}
